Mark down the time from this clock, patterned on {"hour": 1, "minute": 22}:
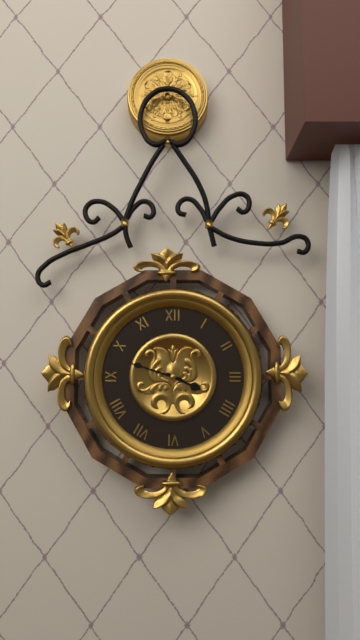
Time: {"hour": 3, "minute": 48}
